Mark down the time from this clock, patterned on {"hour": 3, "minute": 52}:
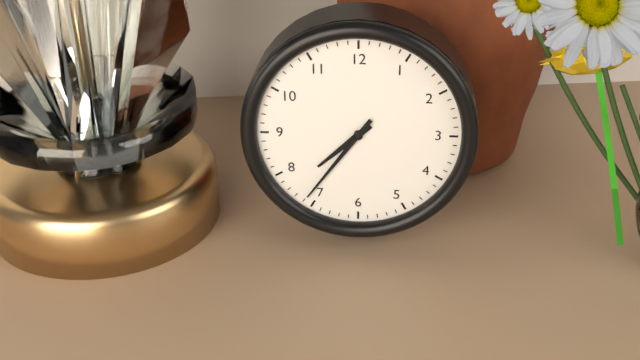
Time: {"hour": 7, "minute": 36}
